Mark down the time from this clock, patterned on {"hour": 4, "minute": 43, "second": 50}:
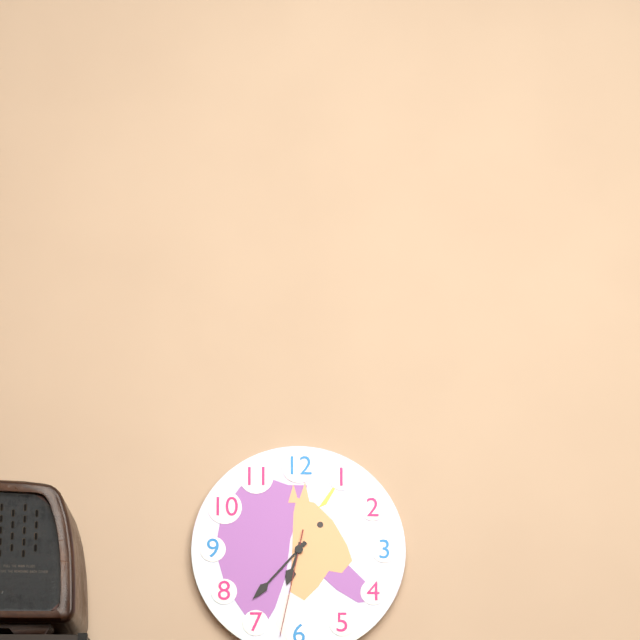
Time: {"hour": 6, "minute": 37, "second": 32}
